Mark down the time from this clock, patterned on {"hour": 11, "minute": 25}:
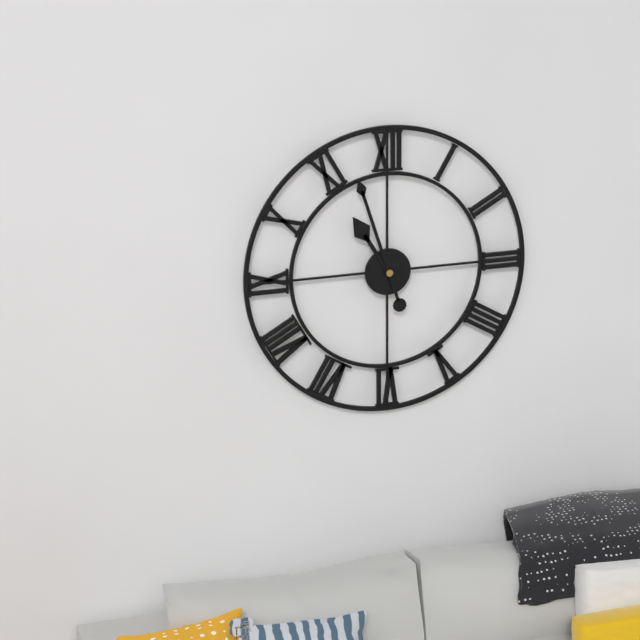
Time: {"hour": 10, "minute": 57}
